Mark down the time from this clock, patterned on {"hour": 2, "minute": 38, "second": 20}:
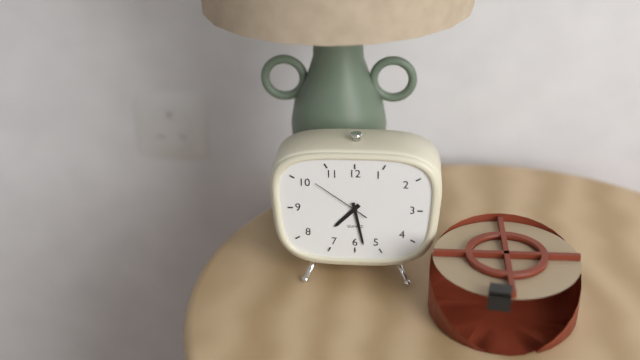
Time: {"hour": 7, "minute": 28, "second": 51}
